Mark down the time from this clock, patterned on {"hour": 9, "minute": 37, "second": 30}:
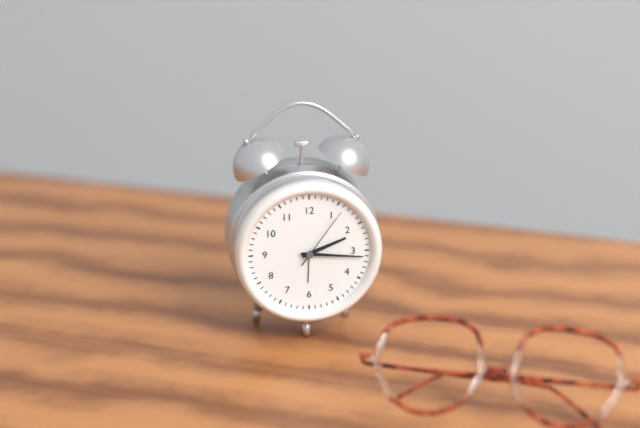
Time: {"hour": 2, "minute": 16, "second": 6}
